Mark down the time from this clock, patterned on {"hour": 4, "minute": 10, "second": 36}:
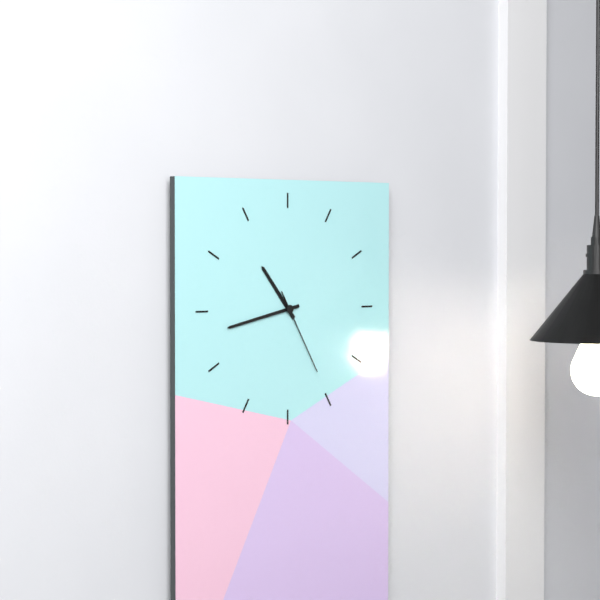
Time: {"hour": 10, "minute": 43, "second": 25}
